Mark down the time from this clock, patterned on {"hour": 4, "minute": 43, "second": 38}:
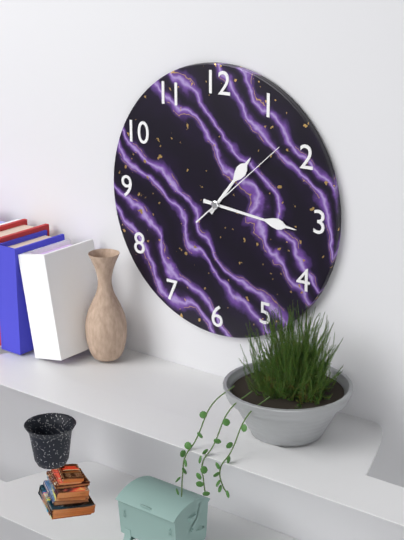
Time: {"hour": 1, "minute": 16, "second": 8}
